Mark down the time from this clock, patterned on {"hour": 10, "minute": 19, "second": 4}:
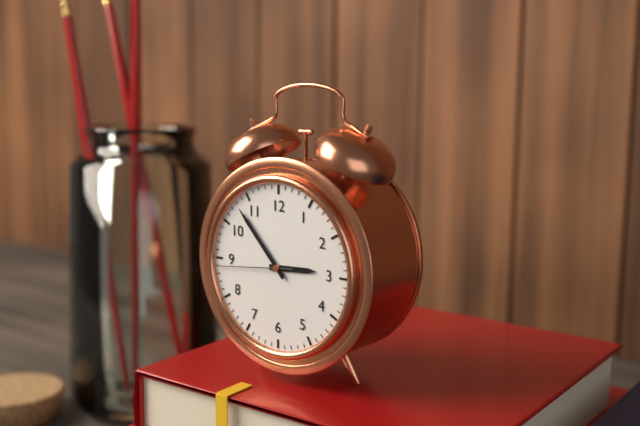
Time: {"hour": 2, "minute": 53, "second": 44}
